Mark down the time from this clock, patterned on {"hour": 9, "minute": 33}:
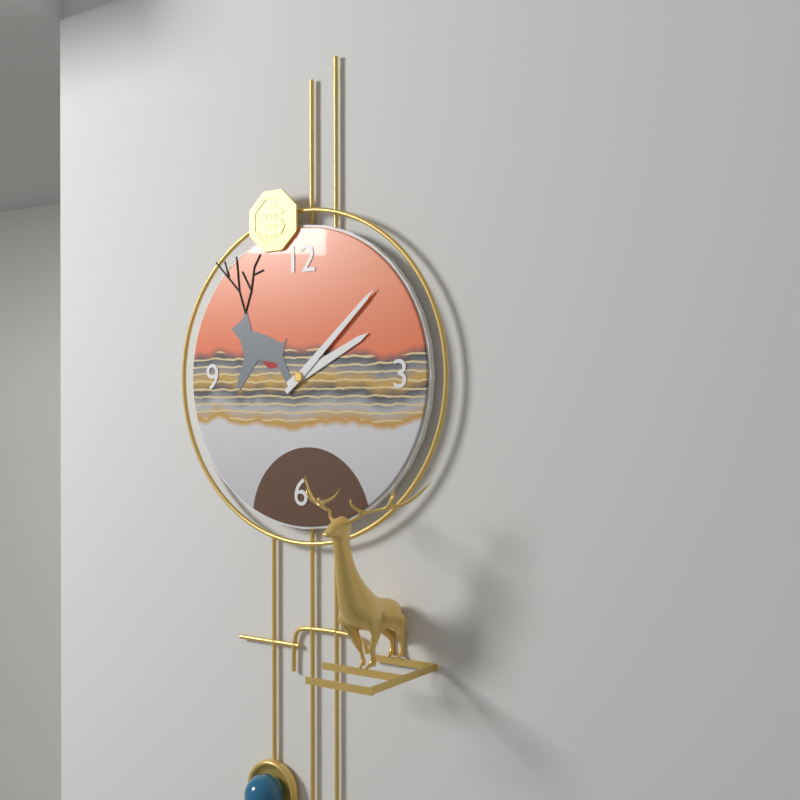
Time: {"hour": 2, "minute": 8}
